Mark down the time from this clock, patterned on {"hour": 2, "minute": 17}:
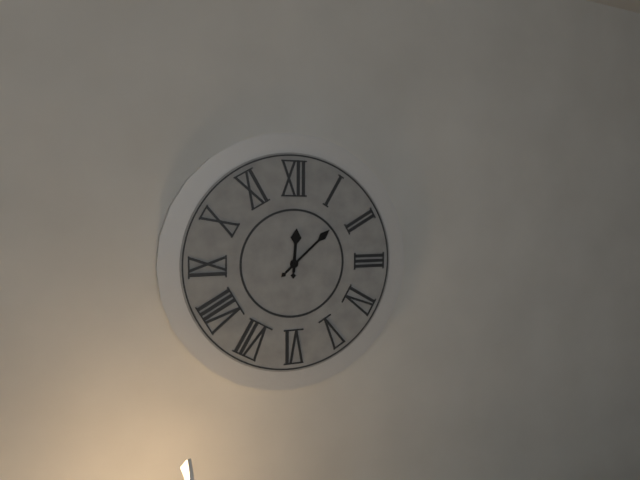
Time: {"hour": 12, "minute": 8}
